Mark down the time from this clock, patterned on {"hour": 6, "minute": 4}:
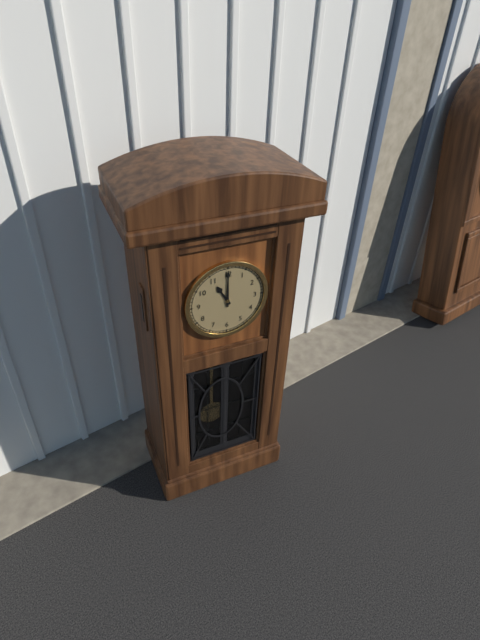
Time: {"hour": 11, "minute": 0}
